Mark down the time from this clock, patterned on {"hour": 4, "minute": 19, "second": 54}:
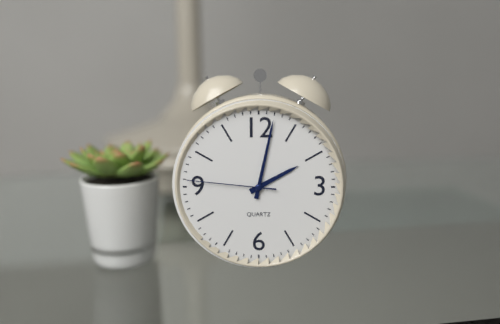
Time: {"hour": 2, "minute": 2, "second": 46}
